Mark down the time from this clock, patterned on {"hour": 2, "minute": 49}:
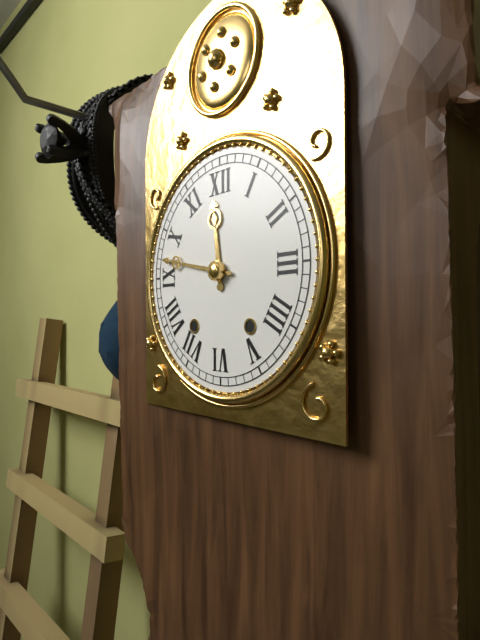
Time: {"hour": 11, "minute": 47}
